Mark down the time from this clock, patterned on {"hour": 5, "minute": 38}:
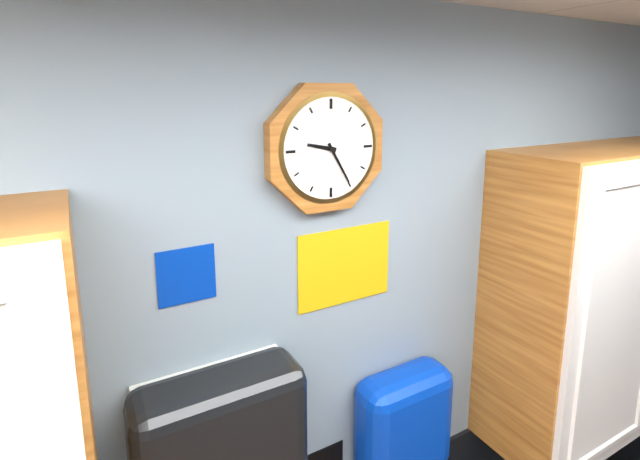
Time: {"hour": 9, "minute": 25}
